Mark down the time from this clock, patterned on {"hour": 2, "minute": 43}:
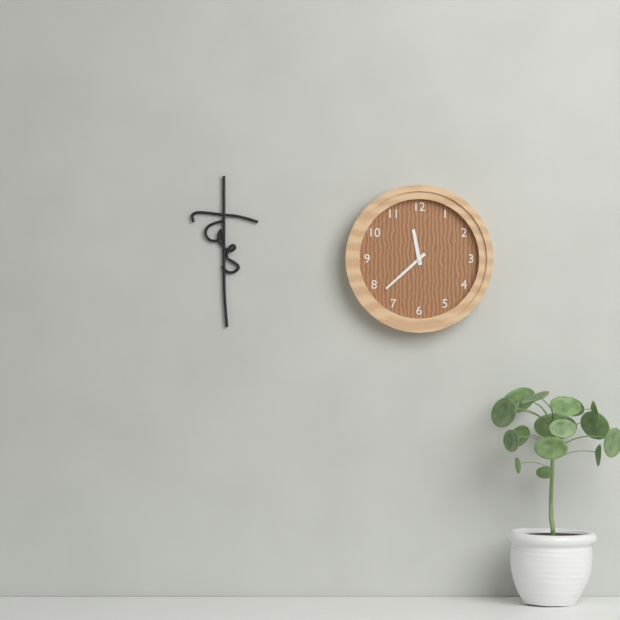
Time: {"hour": 11, "minute": 38}
